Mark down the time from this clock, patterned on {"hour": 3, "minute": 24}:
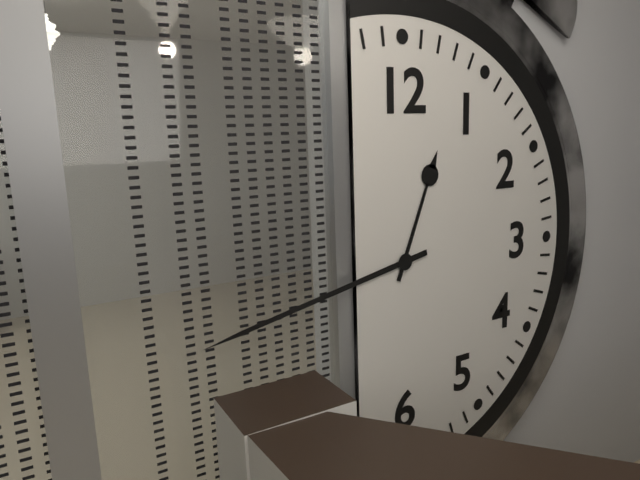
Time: {"hour": 12, "minute": 43}
